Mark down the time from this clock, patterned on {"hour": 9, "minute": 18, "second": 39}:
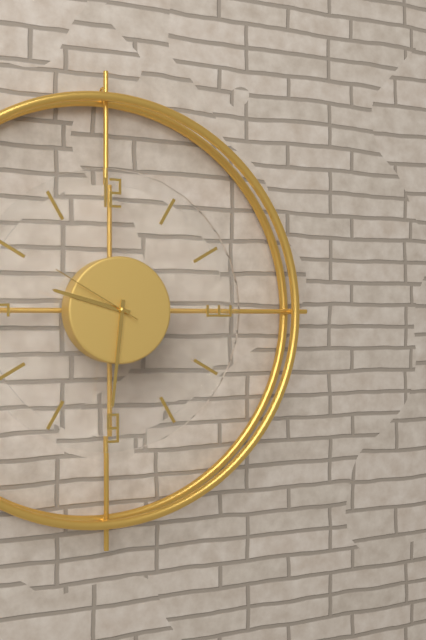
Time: {"hour": 9, "minute": 31, "second": 50}
